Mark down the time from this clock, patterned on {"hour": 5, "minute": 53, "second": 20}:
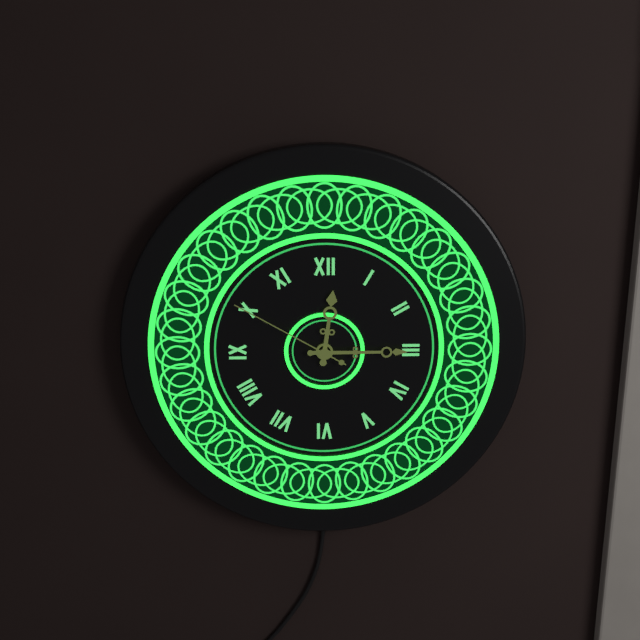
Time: {"hour": 12, "minute": 15, "second": 50}
